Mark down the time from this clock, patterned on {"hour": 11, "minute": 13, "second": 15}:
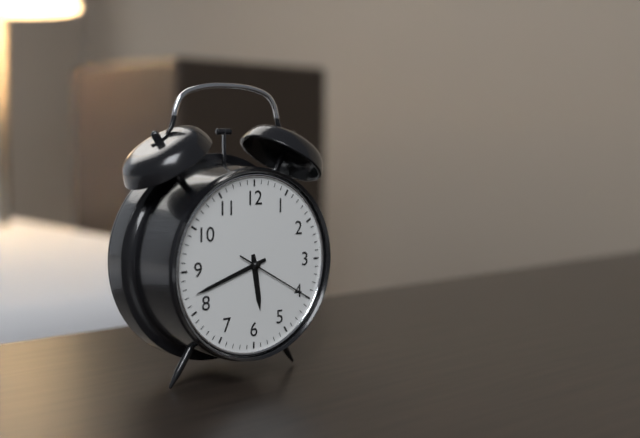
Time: {"hour": 5, "minute": 42, "second": 20}
